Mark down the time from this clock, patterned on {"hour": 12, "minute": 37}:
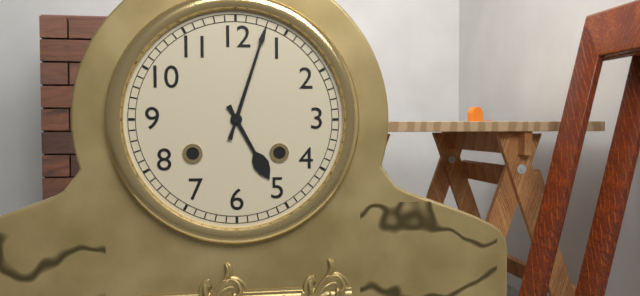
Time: {"hour": 5, "minute": 3}
